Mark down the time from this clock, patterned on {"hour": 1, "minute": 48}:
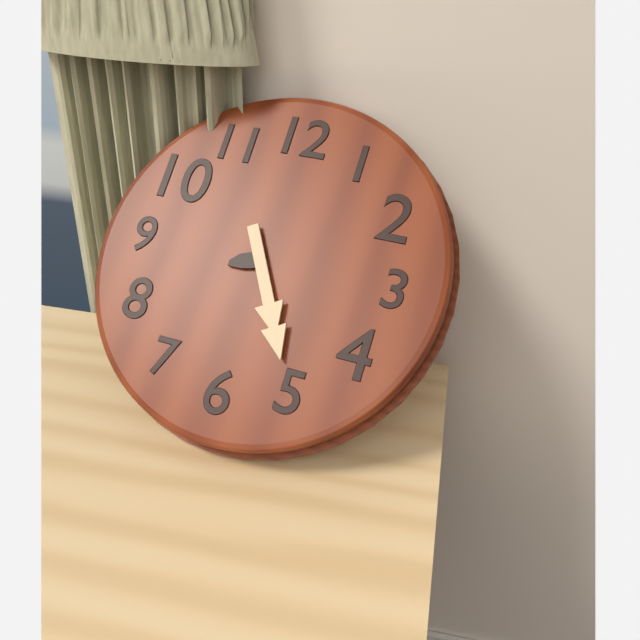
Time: {"hour": 8, "minute": 25}
